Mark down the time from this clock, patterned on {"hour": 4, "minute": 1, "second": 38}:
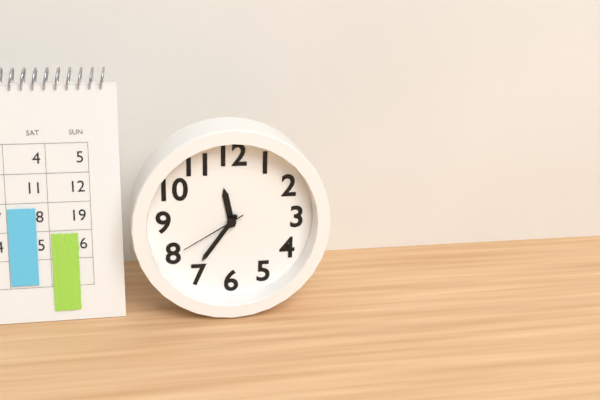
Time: {"hour": 11, "minute": 36, "second": 40}
